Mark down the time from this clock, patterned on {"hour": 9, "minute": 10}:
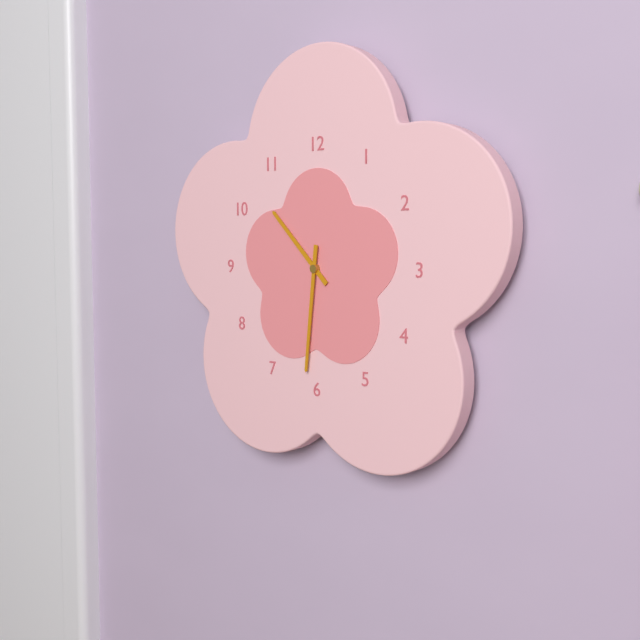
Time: {"hour": 10, "minute": 31}
